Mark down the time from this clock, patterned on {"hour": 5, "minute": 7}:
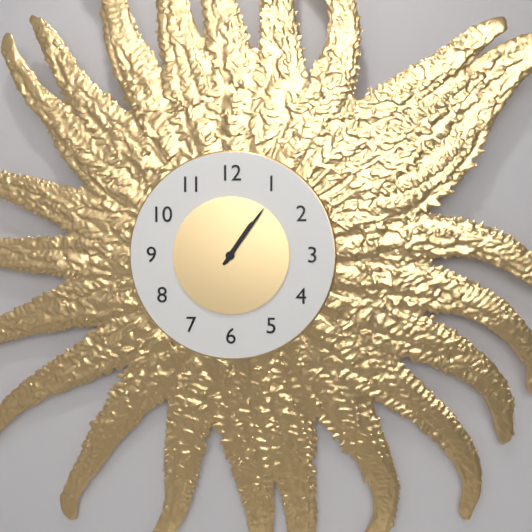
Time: {"hour": 1, "minute": 6}
